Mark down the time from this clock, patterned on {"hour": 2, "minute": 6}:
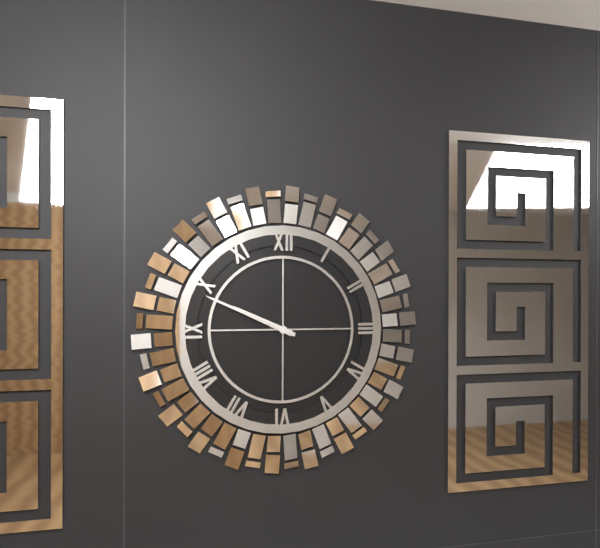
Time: {"hour": 9, "minute": 49}
